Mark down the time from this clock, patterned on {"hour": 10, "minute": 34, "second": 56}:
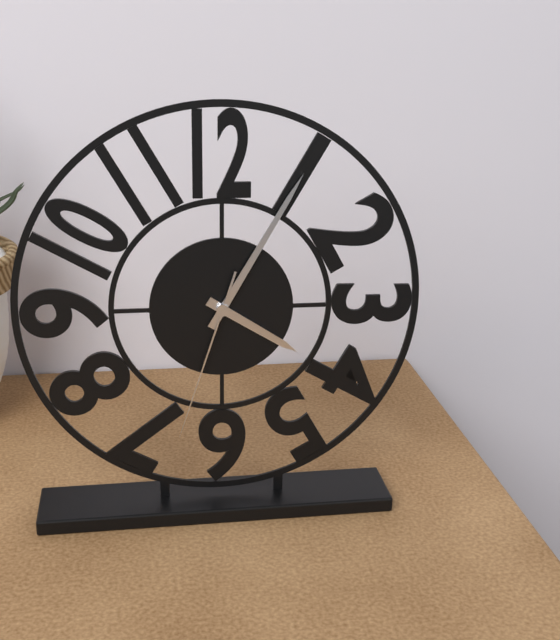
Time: {"hour": 4, "minute": 5, "second": 33}
